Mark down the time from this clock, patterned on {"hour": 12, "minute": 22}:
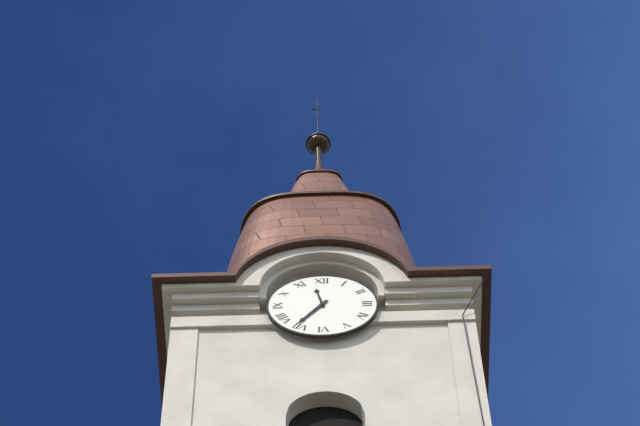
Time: {"hour": 11, "minute": 36}
